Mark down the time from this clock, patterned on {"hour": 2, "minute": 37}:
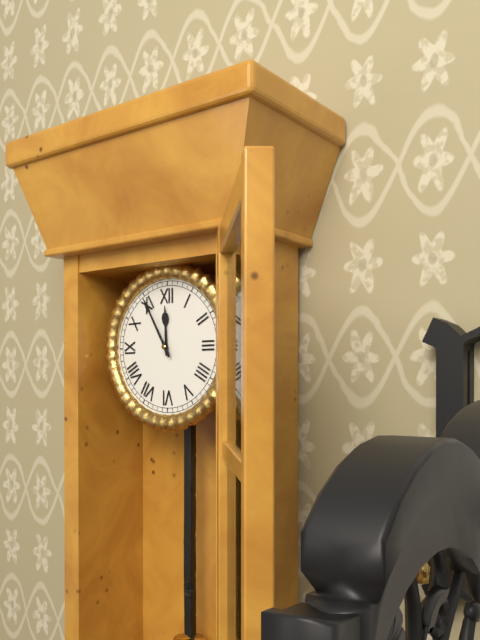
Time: {"hour": 11, "minute": 55}
